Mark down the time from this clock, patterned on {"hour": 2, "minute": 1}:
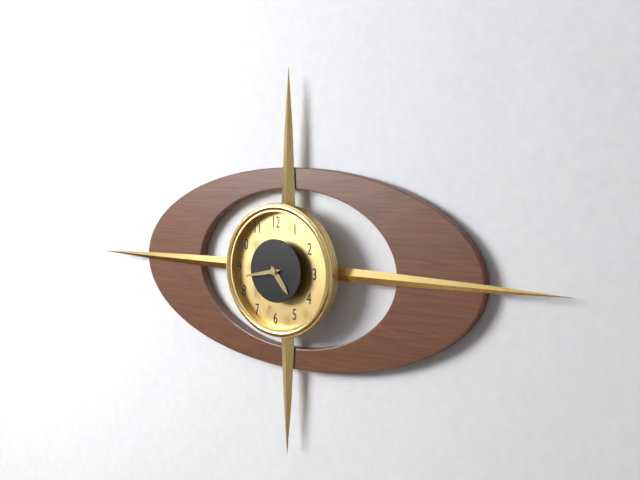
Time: {"hour": 4, "minute": 43}
